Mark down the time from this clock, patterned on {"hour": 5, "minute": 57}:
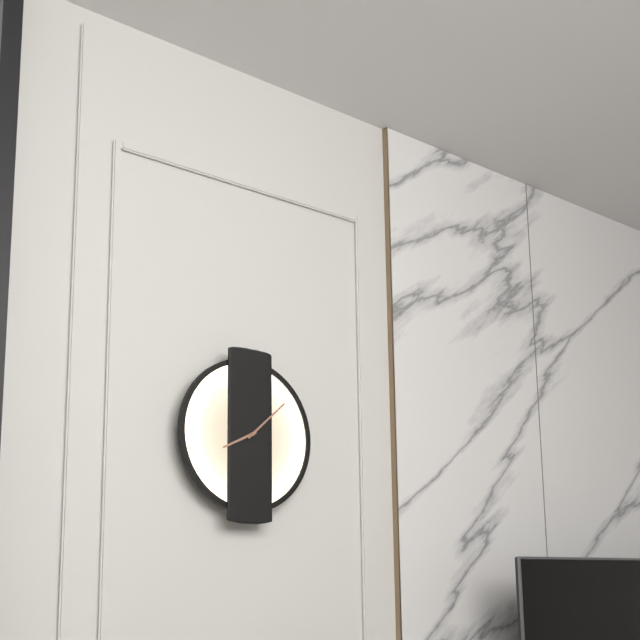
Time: {"hour": 8, "minute": 8}
